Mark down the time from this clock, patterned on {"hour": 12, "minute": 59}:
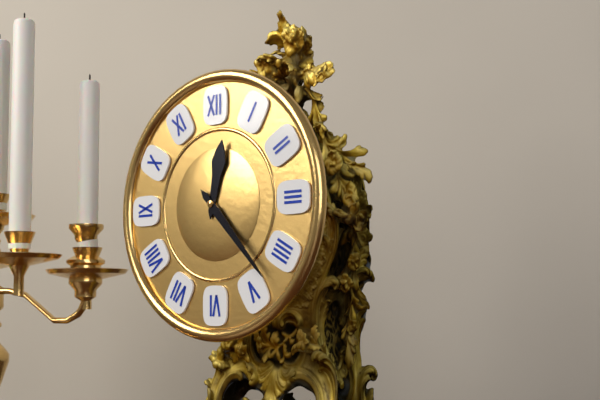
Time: {"hour": 12, "minute": 23}
